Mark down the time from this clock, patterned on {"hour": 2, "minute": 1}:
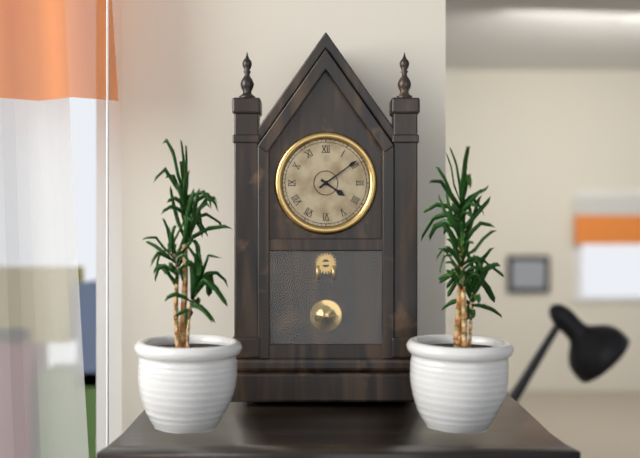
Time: {"hour": 4, "minute": 9}
